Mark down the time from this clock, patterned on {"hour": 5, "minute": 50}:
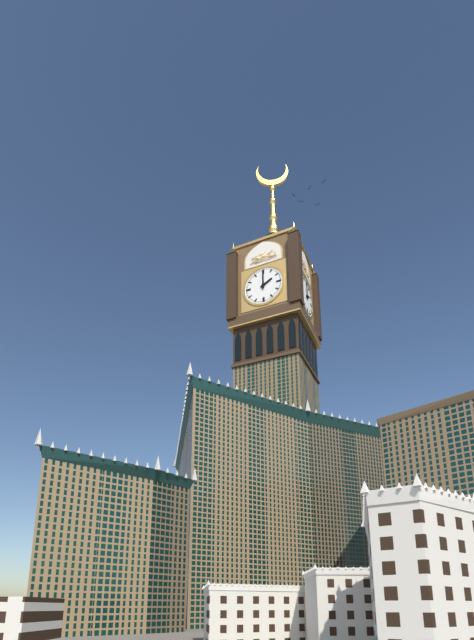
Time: {"hour": 2, "minute": 0}
